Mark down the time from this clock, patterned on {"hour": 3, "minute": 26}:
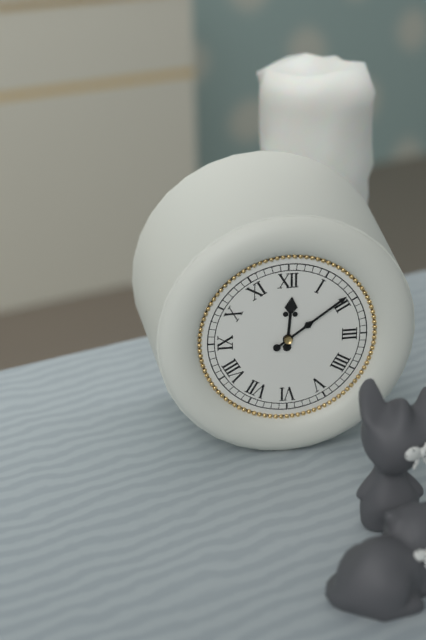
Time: {"hour": 12, "minute": 9}
